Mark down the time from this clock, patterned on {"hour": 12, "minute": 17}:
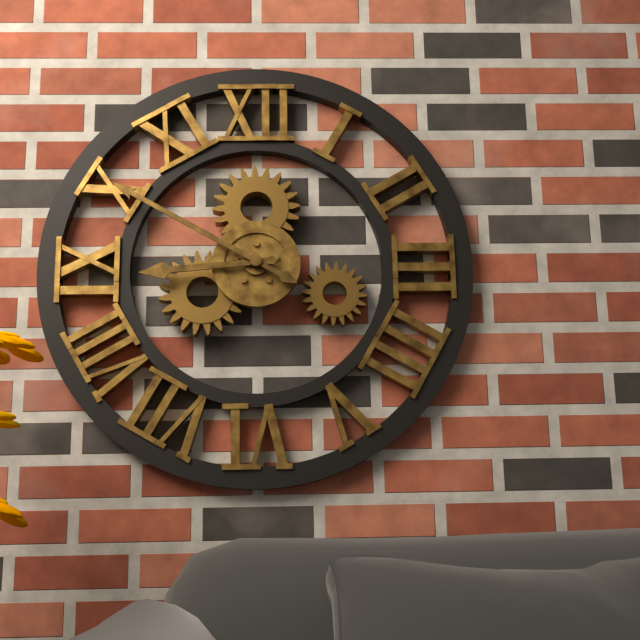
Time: {"hour": 8, "minute": 50}
